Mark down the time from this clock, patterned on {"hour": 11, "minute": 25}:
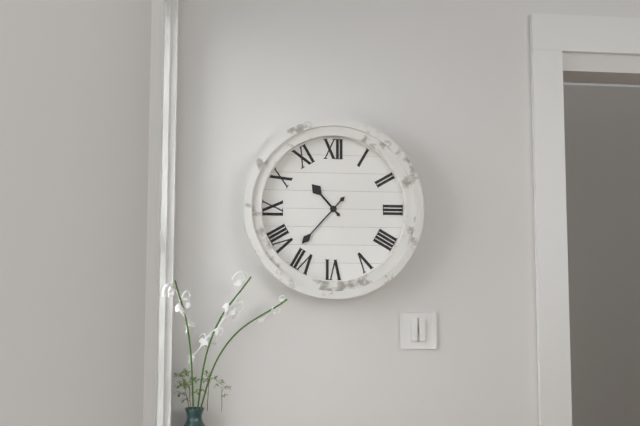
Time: {"hour": 10, "minute": 37}
